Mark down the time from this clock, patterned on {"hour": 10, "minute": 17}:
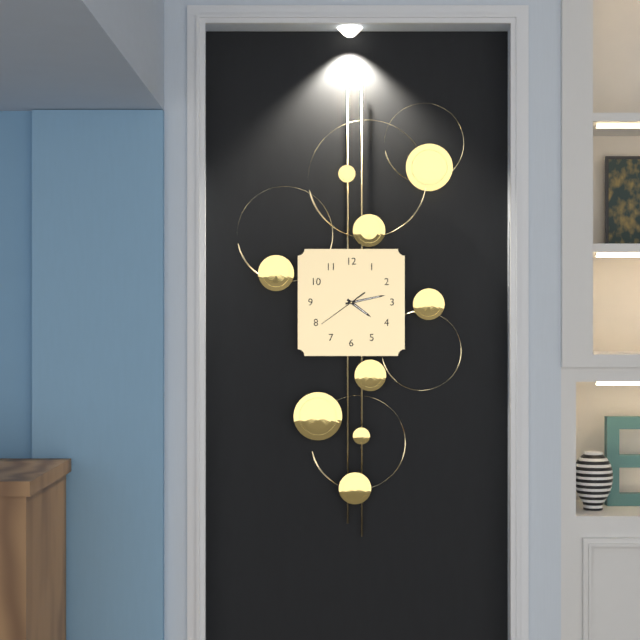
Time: {"hour": 4, "minute": 13}
